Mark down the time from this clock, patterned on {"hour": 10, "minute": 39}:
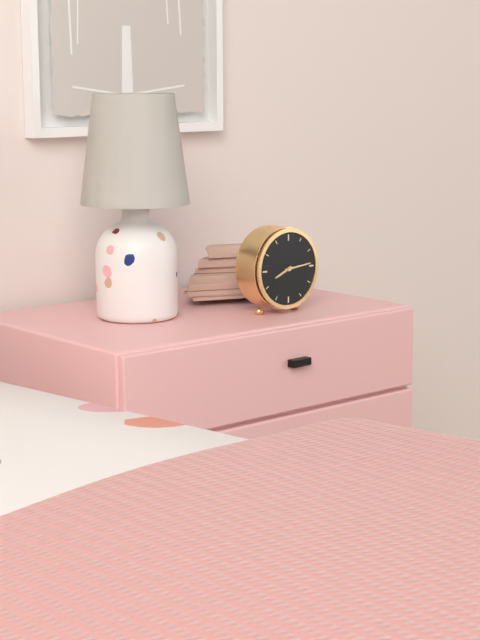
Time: {"hour": 8, "minute": 14}
